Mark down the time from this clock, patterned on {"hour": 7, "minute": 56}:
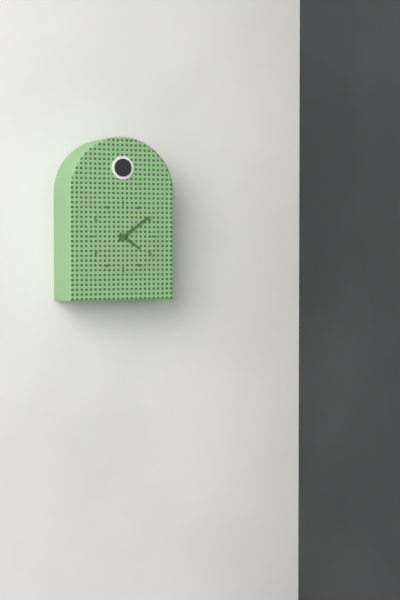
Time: {"hour": 4, "minute": 9}
